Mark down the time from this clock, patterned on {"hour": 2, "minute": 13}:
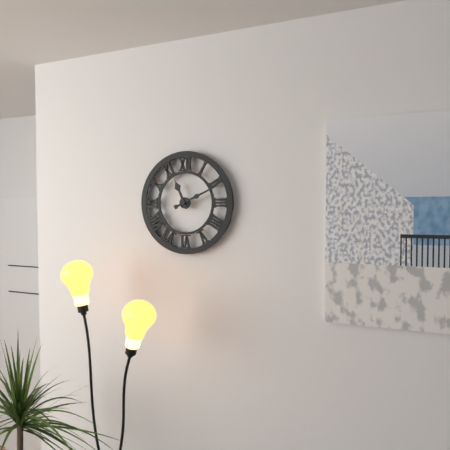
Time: {"hour": 11, "minute": 11}
